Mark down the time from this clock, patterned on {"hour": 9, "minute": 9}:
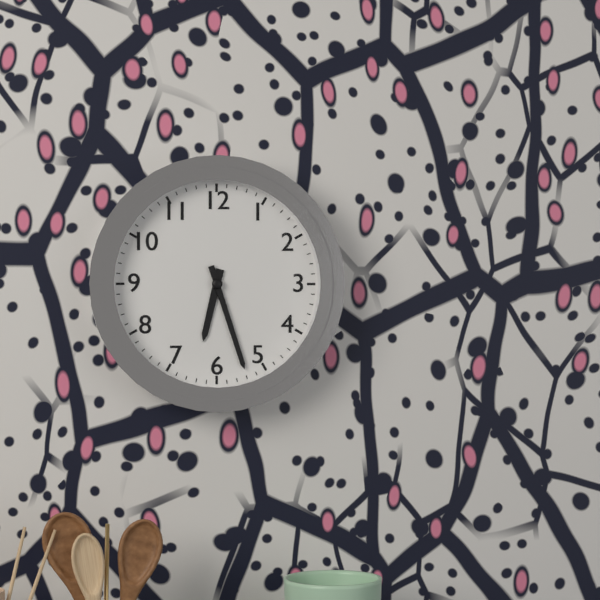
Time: {"hour": 6, "minute": 27}
